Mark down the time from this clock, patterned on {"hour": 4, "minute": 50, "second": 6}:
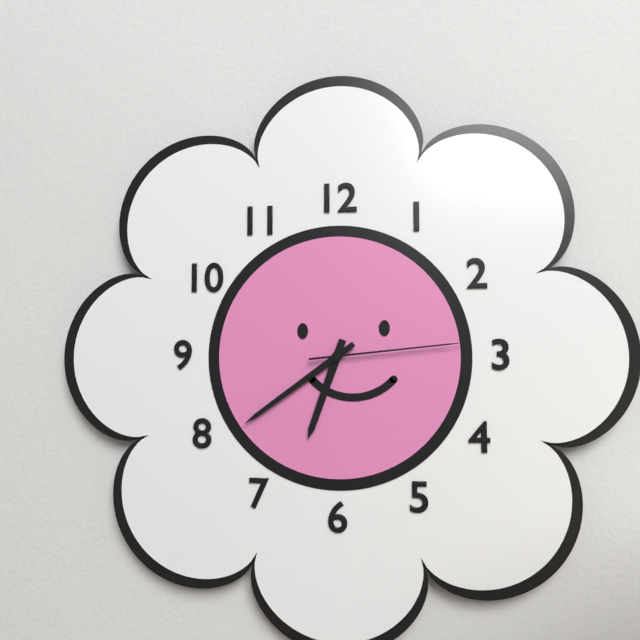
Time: {"hour": 6, "minute": 39, "second": 14}
